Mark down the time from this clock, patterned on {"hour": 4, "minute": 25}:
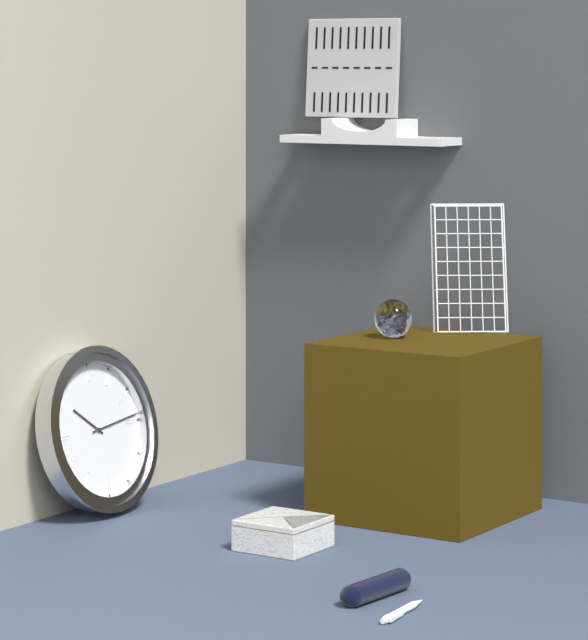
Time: {"hour": 10, "minute": 14}
